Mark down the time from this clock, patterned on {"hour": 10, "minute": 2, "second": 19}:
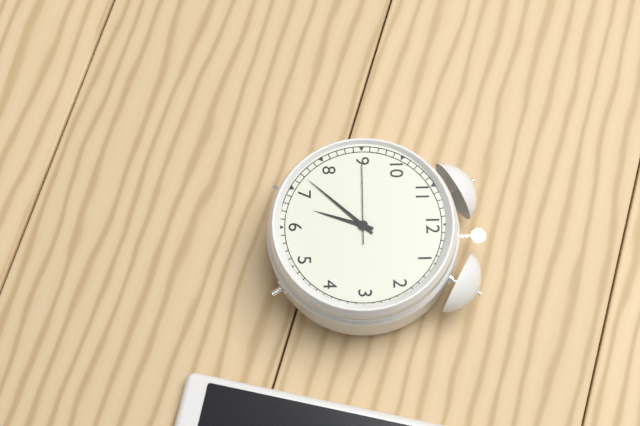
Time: {"hour": 6, "minute": 37, "second": 45}
